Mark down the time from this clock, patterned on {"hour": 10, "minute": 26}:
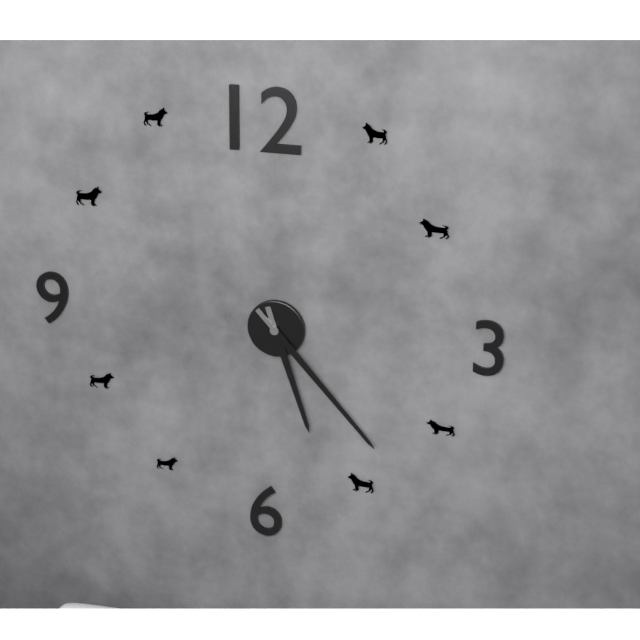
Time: {"hour": 5, "minute": 23}
